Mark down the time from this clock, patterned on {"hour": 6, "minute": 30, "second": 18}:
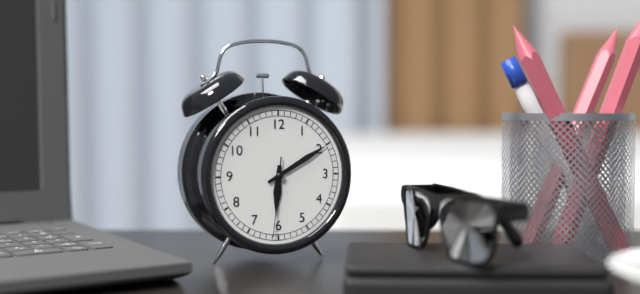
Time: {"hour": 6, "minute": 10, "second": 31}
